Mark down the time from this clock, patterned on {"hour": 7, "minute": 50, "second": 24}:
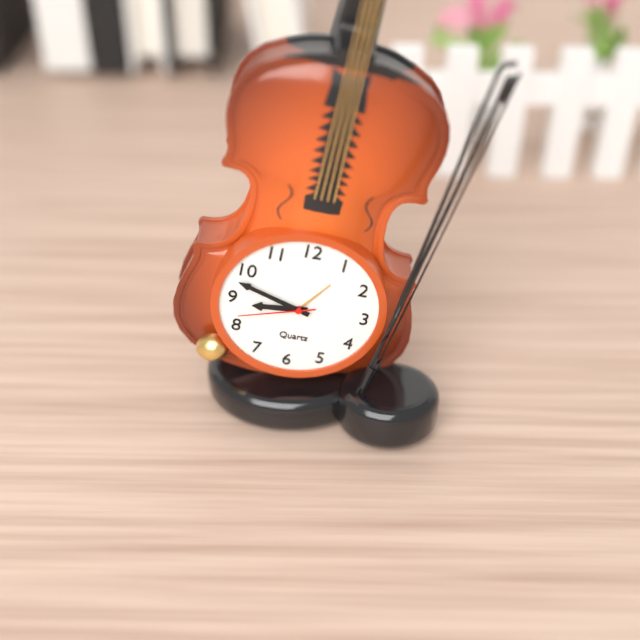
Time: {"hour": 8, "minute": 48, "second": 42}
